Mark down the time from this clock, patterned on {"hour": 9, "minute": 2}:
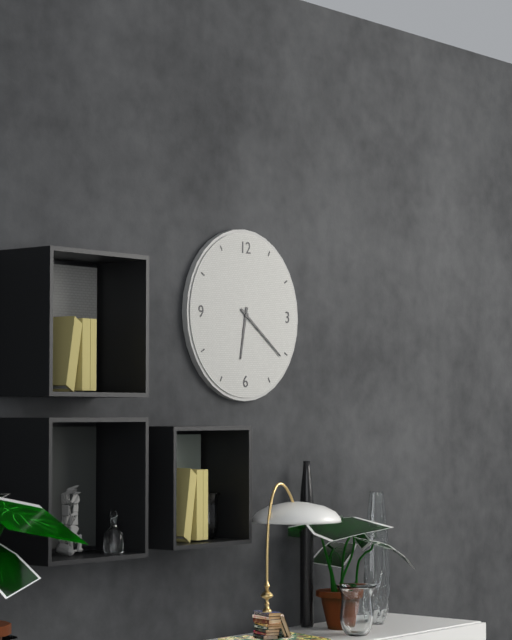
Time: {"hour": 6, "minute": 21}
